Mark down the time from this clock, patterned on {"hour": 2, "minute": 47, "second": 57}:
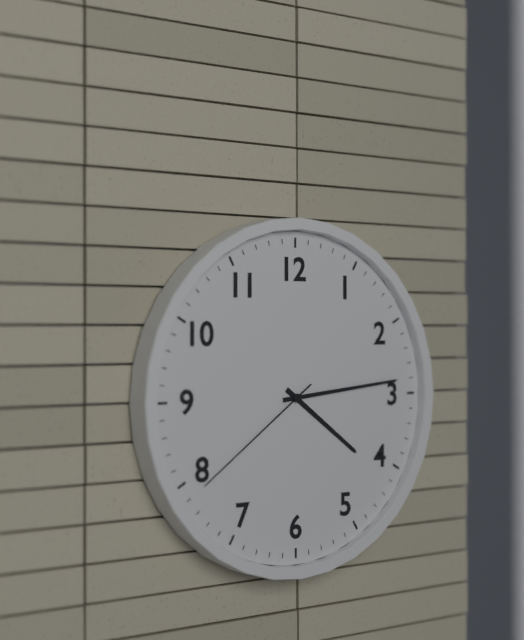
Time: {"hour": 4, "minute": 14, "second": 39}
